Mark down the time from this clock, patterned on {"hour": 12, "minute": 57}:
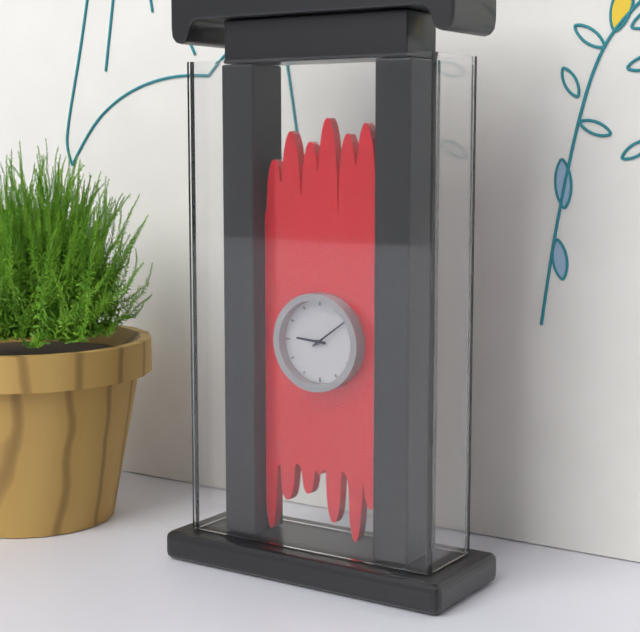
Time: {"hour": 9, "minute": 9}
